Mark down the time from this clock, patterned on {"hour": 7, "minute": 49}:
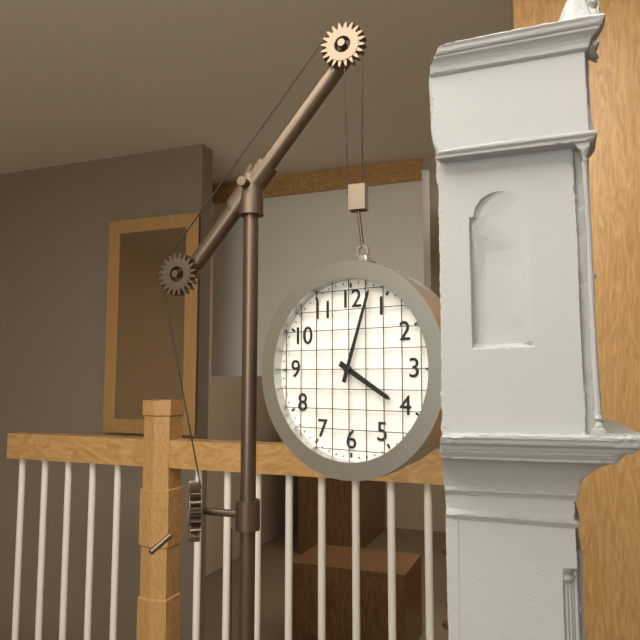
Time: {"hour": 4, "minute": 3}
